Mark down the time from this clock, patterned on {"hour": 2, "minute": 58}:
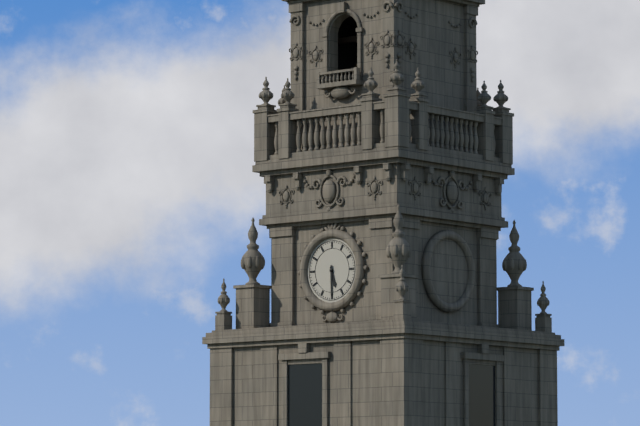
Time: {"hour": 5, "minute": 30}
